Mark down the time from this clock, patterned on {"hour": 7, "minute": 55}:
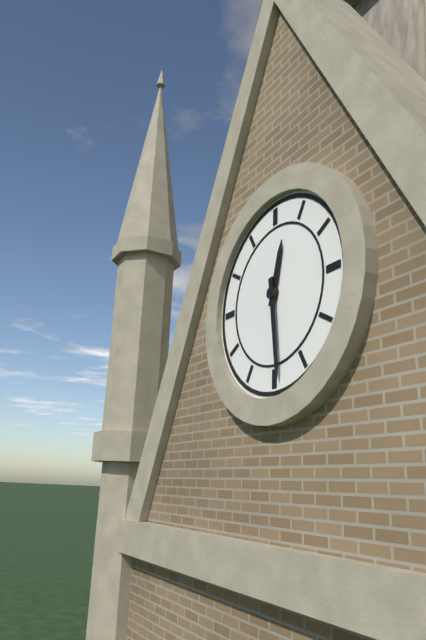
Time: {"hour": 12, "minute": 29}
